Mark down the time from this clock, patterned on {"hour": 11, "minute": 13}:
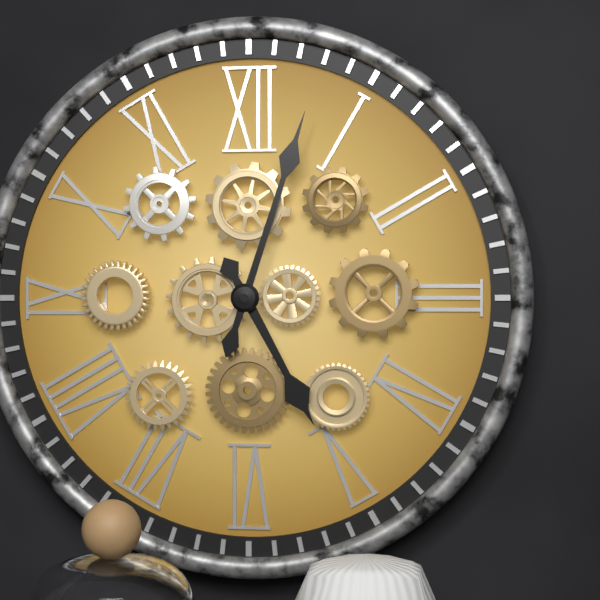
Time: {"hour": 5, "minute": 3}
